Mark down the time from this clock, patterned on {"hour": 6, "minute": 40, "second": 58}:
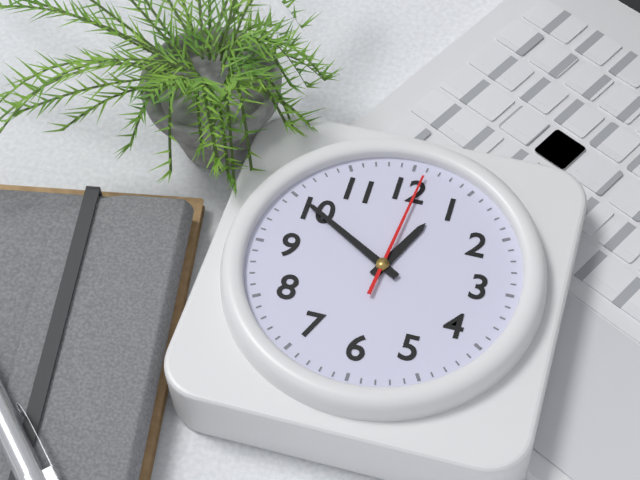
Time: {"hour": 12, "minute": 50, "second": 1}
